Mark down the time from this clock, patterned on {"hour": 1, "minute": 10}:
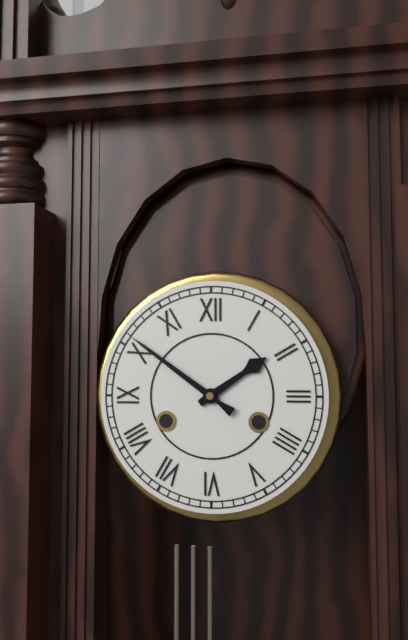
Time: {"hour": 1, "minute": 51}
